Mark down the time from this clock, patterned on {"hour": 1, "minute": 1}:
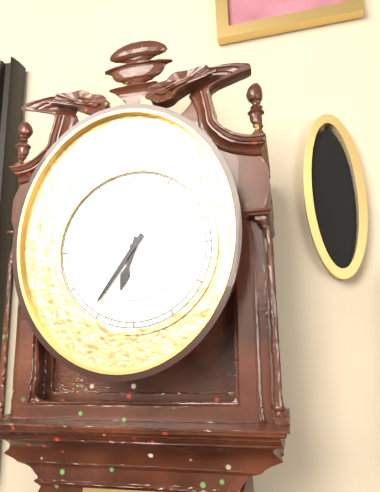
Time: {"hour": 6, "minute": 36}
